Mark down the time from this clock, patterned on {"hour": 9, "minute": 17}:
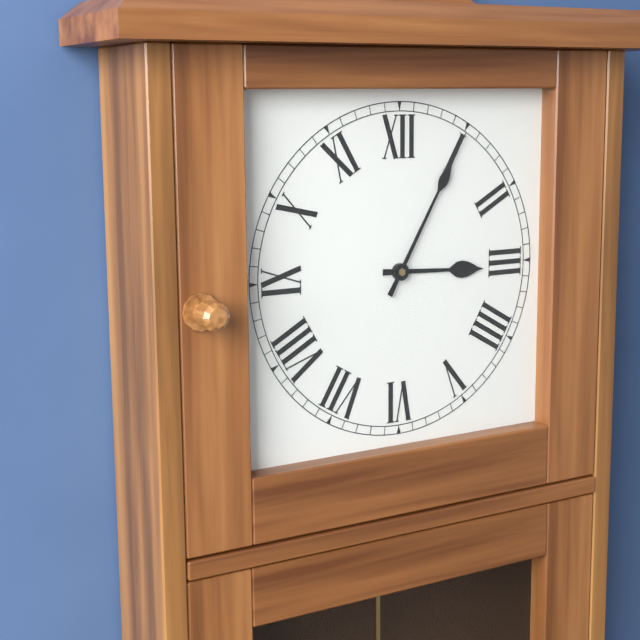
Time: {"hour": 3, "minute": 5}
